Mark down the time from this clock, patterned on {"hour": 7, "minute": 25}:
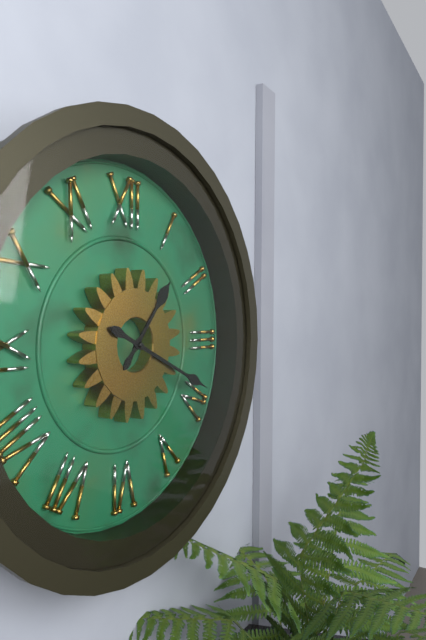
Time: {"hour": 1, "minute": 19}
